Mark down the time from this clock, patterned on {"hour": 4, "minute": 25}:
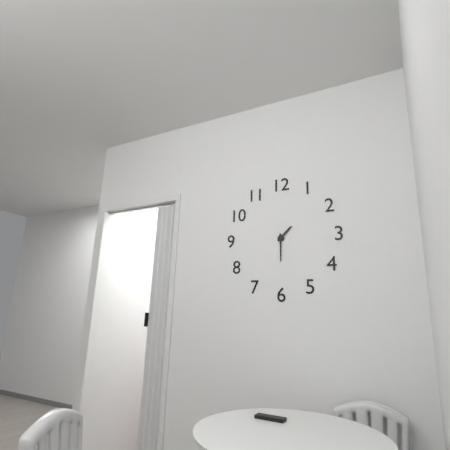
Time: {"hour": 1, "minute": 30}
